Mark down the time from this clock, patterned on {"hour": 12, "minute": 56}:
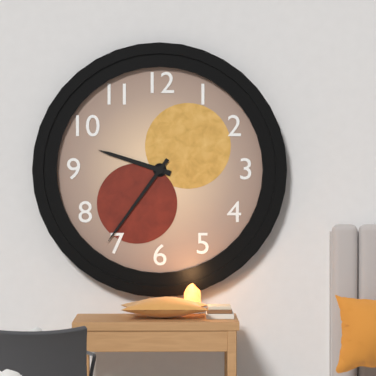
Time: {"hour": 9, "minute": 36}
